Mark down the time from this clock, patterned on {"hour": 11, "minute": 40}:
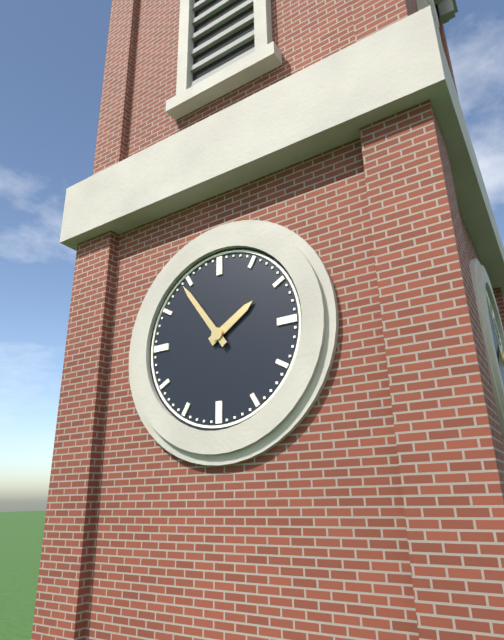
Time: {"hour": 1, "minute": 54}
